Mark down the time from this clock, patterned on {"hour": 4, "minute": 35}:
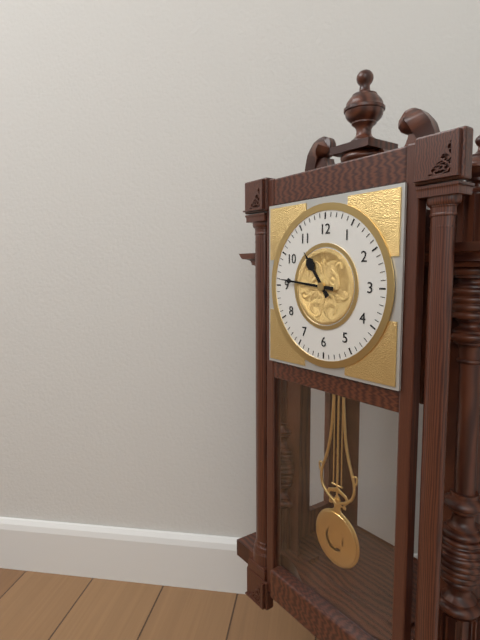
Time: {"hour": 10, "minute": 46}
